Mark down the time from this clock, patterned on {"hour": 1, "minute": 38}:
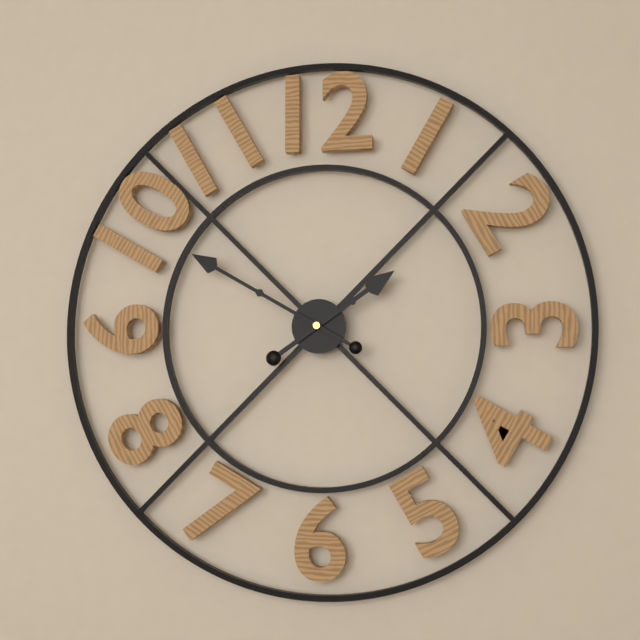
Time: {"hour": 1, "minute": 50}
